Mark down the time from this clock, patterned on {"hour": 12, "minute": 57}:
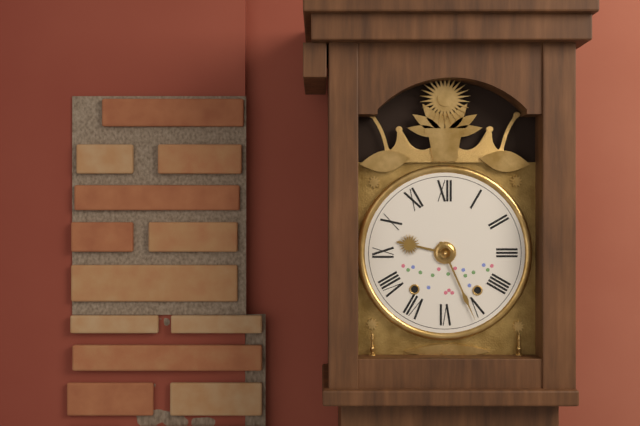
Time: {"hour": 9, "minute": 26}
